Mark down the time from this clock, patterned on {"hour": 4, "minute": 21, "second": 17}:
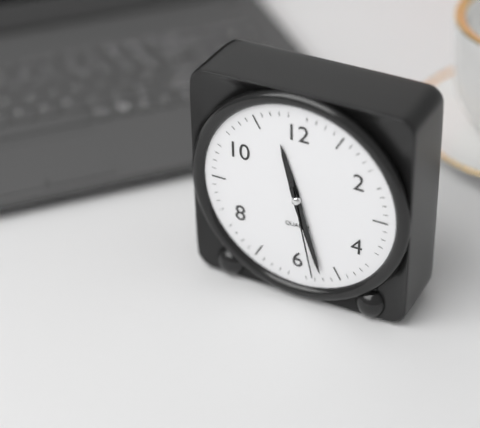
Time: {"hour": 11, "minute": 27, "second": 28}
